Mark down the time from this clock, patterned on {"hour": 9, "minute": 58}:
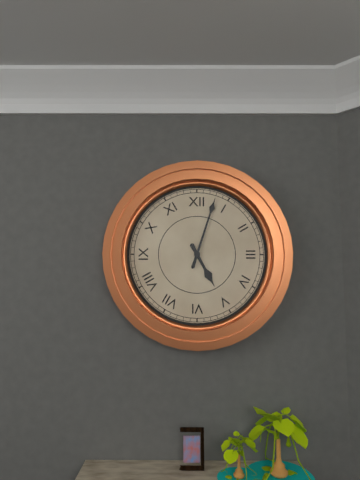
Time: {"hour": 5, "minute": 3}
